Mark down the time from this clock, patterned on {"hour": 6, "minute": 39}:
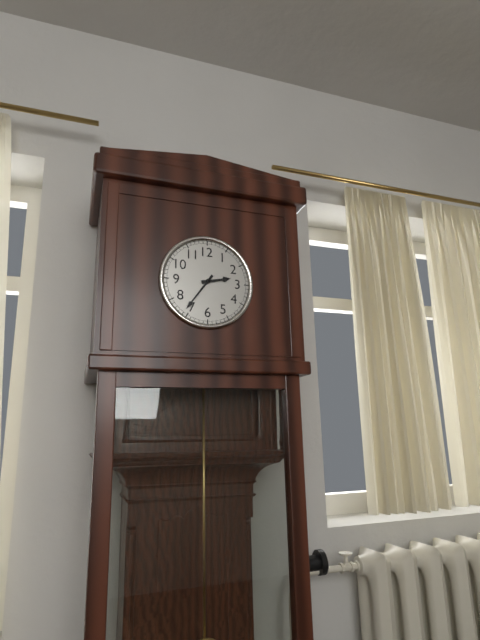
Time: {"hour": 2, "minute": 36}
